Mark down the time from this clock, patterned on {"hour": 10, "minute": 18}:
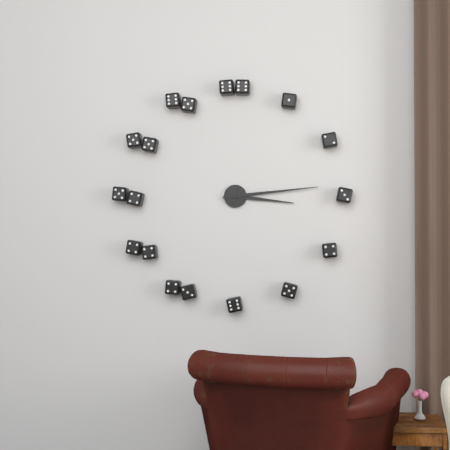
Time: {"hour": 3, "minute": 14}
